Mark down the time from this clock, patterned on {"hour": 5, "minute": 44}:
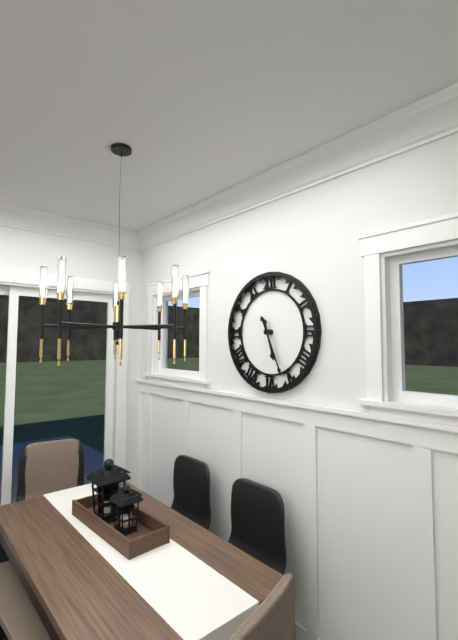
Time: {"hour": 5, "minute": 26}
